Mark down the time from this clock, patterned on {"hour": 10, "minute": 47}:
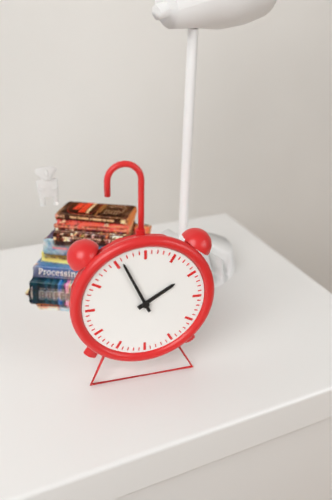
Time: {"hour": 1, "minute": 56}
